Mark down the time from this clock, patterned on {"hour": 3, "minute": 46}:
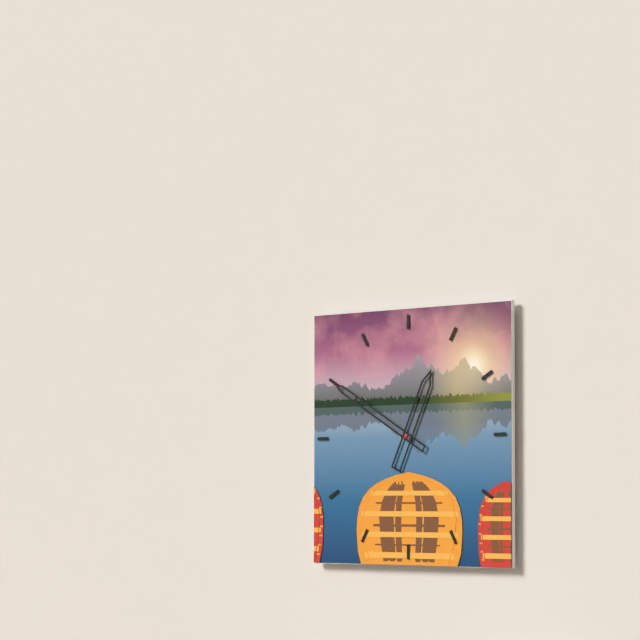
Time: {"hour": 12, "minute": 50}
